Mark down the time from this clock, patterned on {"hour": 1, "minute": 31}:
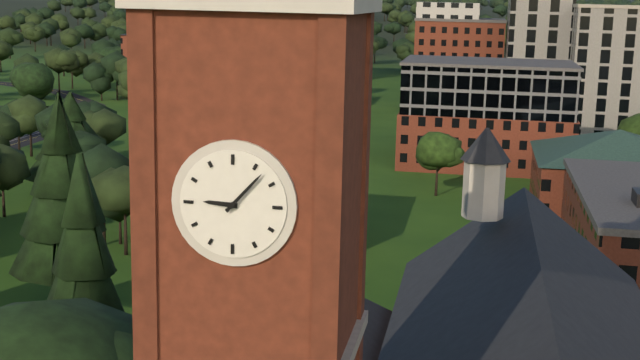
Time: {"hour": 9, "minute": 7}
